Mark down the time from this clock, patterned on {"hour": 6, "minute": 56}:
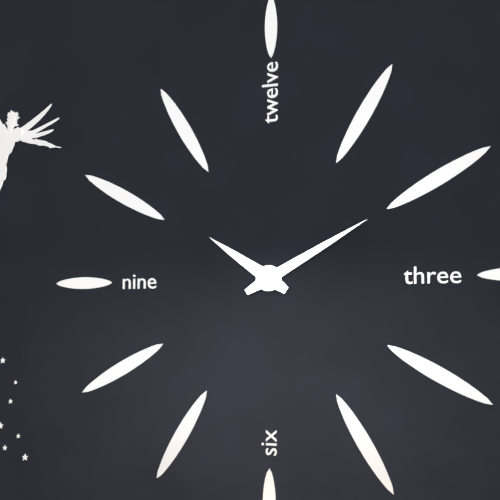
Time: {"hour": 10, "minute": 10}
